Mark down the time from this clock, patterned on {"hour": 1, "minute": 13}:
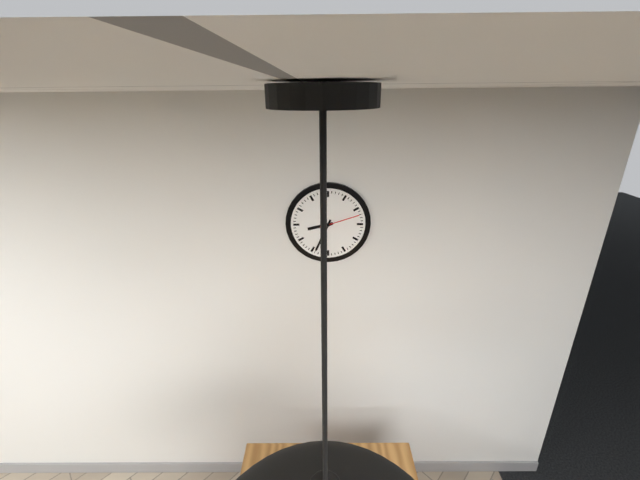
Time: {"hour": 8, "minute": 34}
